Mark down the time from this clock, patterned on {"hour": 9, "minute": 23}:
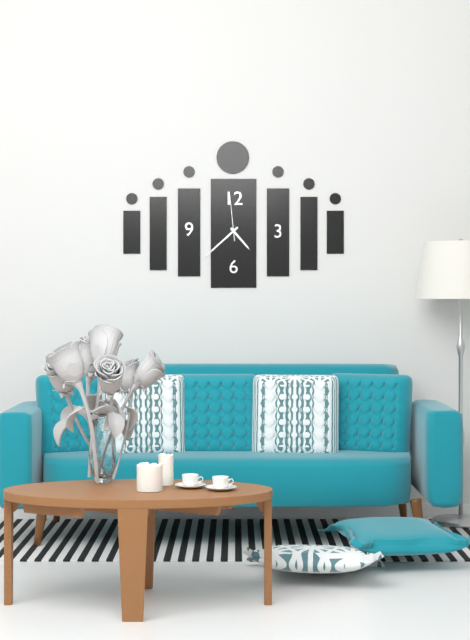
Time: {"hour": 4, "minute": 38}
